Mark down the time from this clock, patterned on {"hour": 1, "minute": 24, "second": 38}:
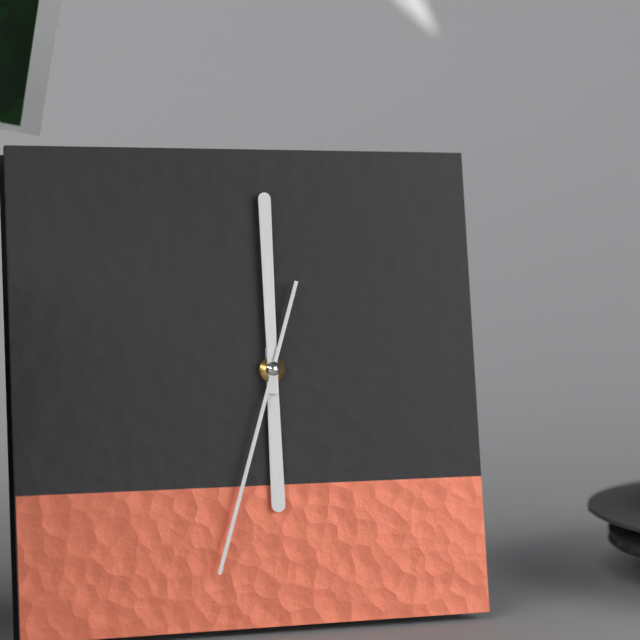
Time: {"hour": 6, "minute": 0, "second": 33}
